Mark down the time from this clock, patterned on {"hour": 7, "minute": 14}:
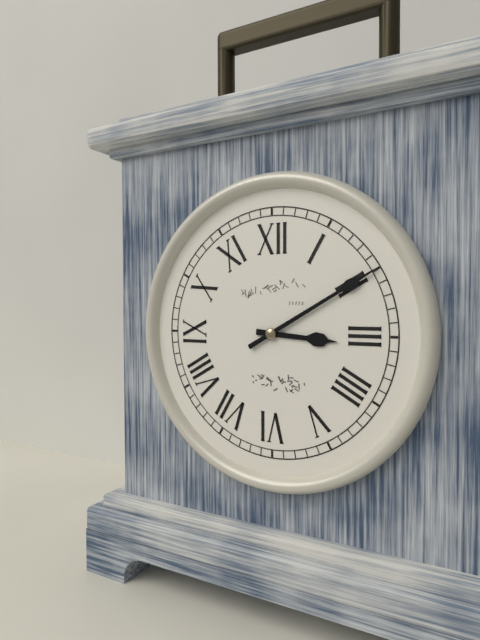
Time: {"hour": 3, "minute": 10}
